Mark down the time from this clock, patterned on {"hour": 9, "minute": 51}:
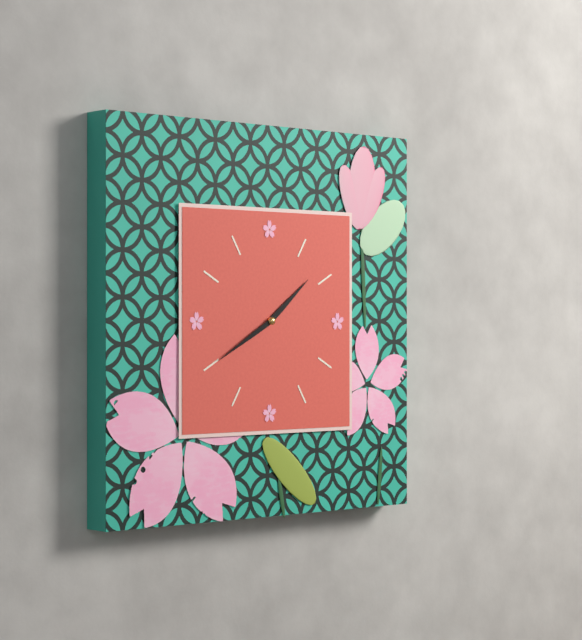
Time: {"hour": 1, "minute": 40}
